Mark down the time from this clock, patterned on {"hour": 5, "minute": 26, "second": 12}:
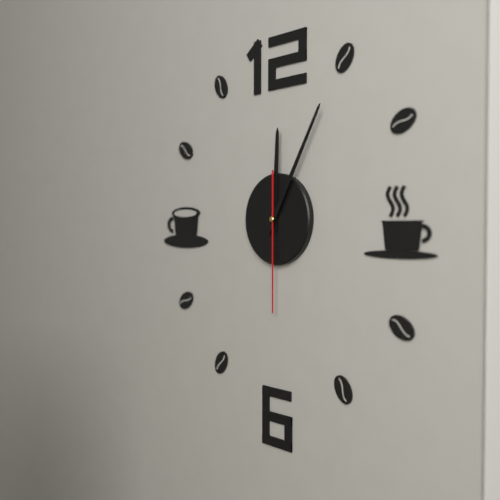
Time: {"hour": 12, "minute": 5, "second": 30}
